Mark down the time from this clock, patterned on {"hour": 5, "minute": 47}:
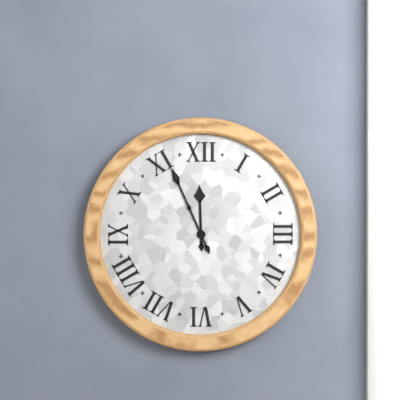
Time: {"hour": 11, "minute": 56}
